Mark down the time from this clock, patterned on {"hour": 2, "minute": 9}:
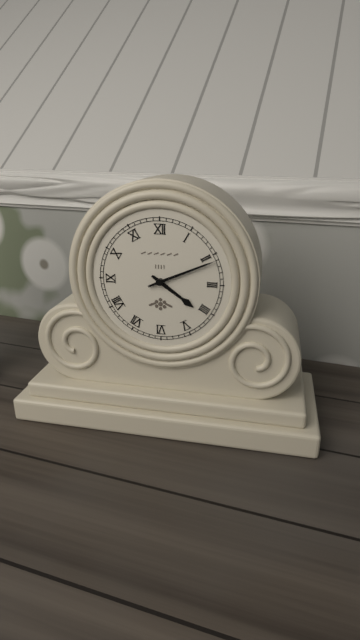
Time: {"hour": 4, "minute": 11}
